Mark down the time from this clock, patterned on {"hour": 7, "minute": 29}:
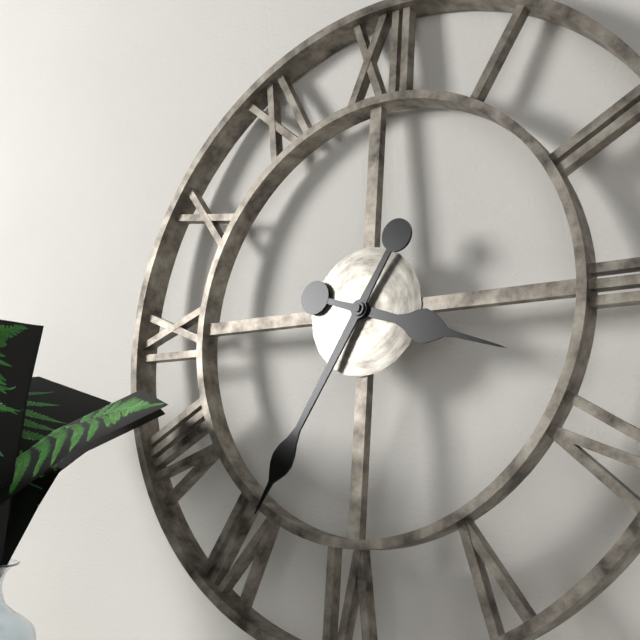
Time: {"hour": 3, "minute": 35}
